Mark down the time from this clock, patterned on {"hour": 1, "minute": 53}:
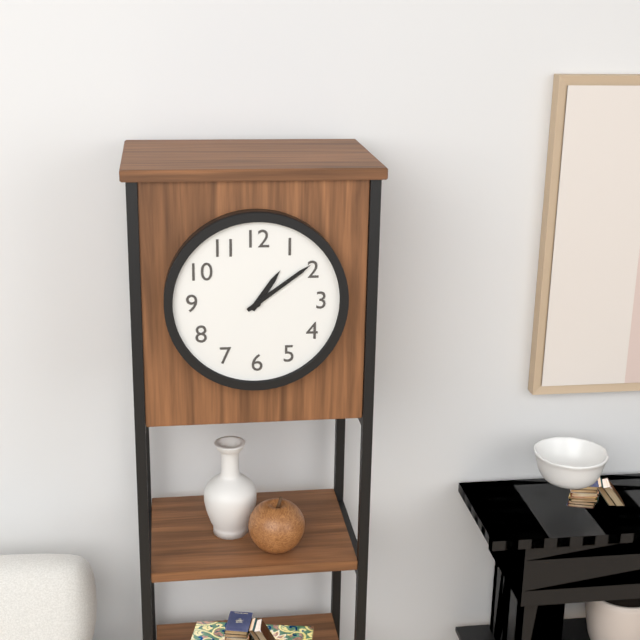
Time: {"hour": 1, "minute": 9}
